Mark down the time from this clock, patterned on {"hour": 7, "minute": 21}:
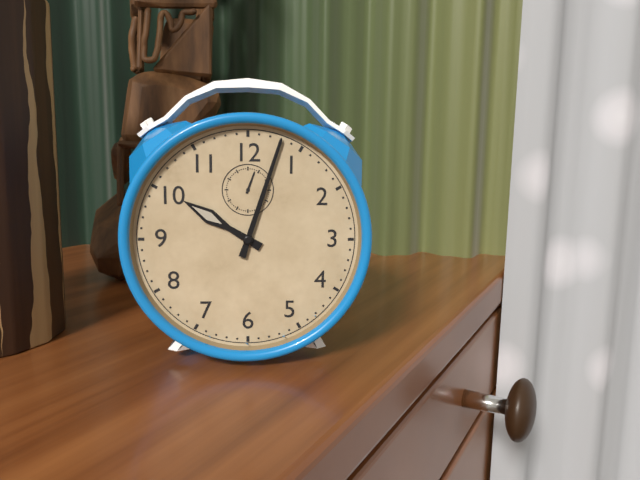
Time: {"hour": 10, "minute": 3}
